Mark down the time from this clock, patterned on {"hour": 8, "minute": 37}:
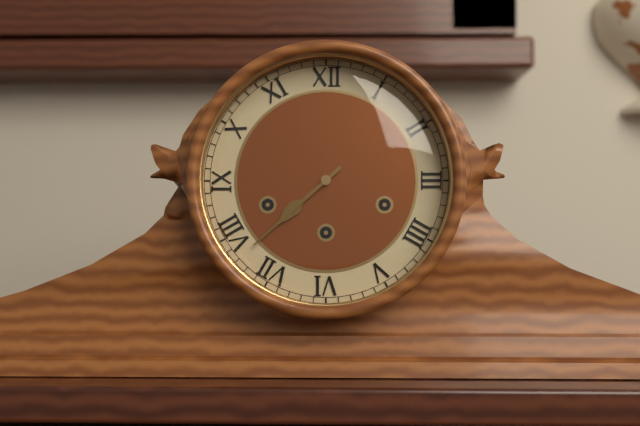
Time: {"hour": 7, "minute": 38}
